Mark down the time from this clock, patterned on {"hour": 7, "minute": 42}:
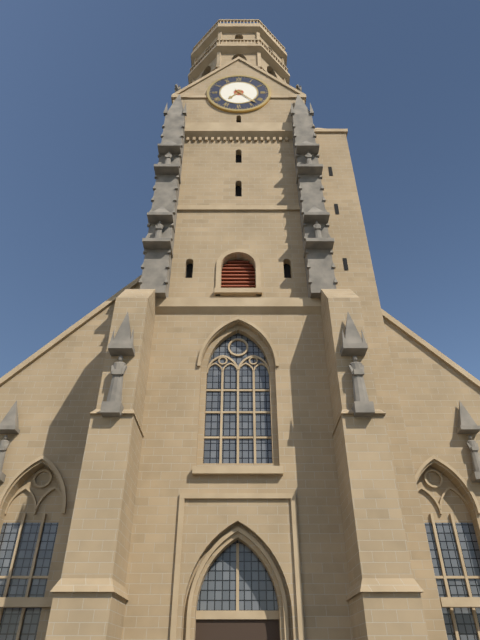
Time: {"hour": 7, "minute": 23}
